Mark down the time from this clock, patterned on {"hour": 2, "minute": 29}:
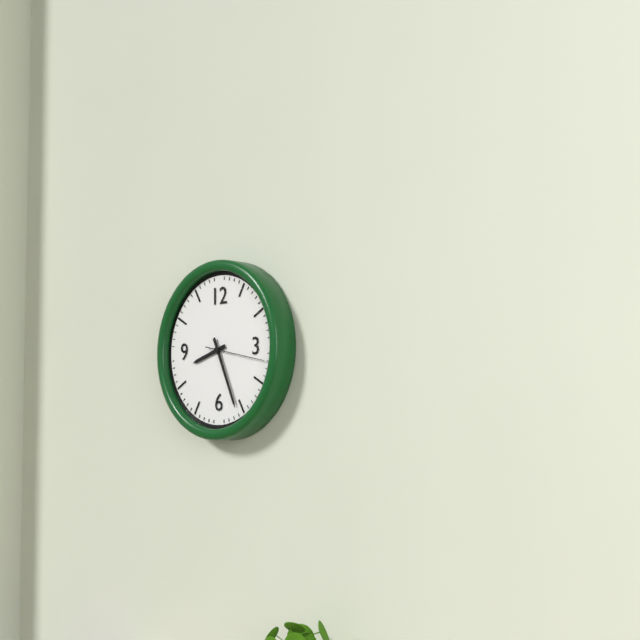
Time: {"hour": 8, "minute": 26}
